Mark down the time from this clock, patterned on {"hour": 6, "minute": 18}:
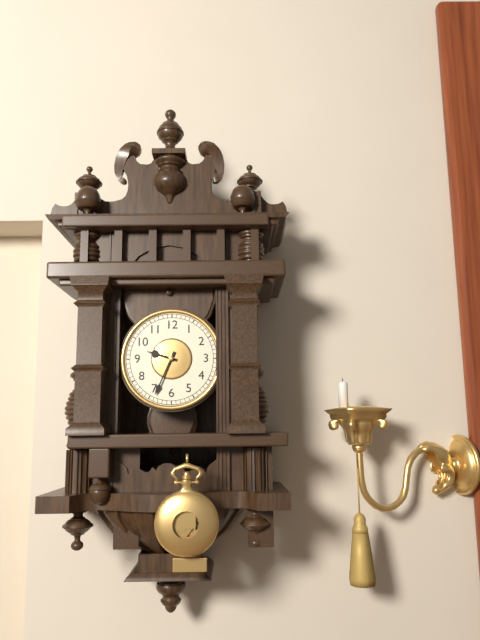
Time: {"hour": 9, "minute": 34}
